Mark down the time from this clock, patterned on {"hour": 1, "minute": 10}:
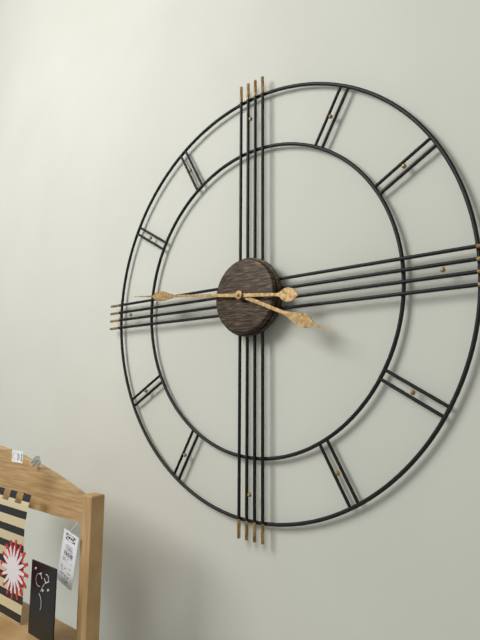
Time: {"hour": 3, "minute": 46}
